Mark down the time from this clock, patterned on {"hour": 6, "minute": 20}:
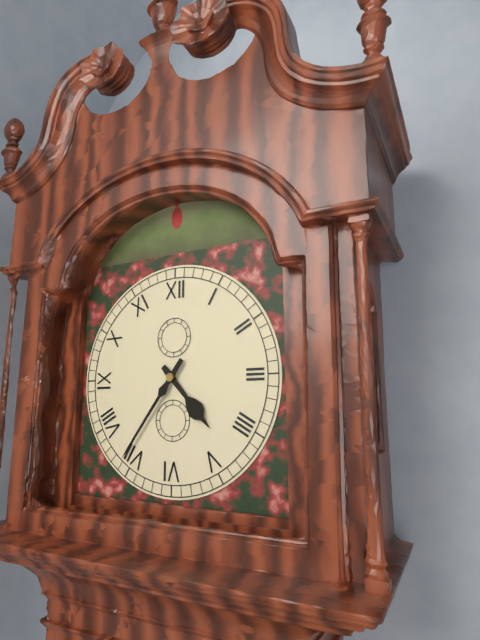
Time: {"hour": 4, "minute": 36}
